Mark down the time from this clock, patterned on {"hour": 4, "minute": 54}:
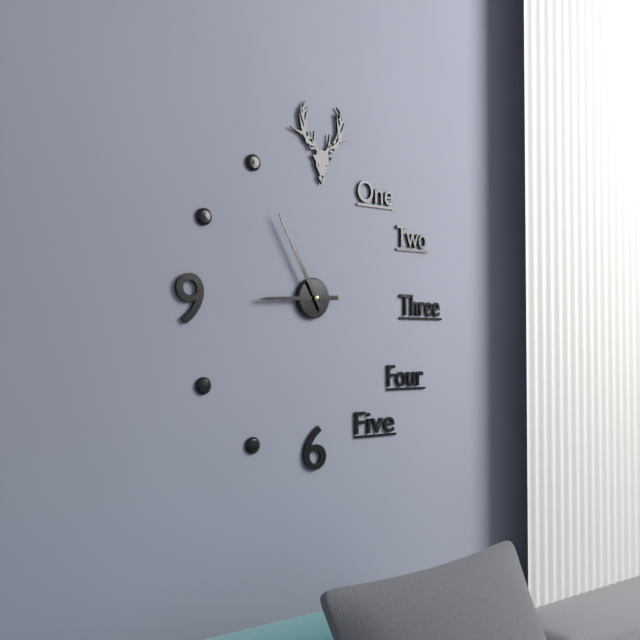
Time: {"hour": 8, "minute": 55}
